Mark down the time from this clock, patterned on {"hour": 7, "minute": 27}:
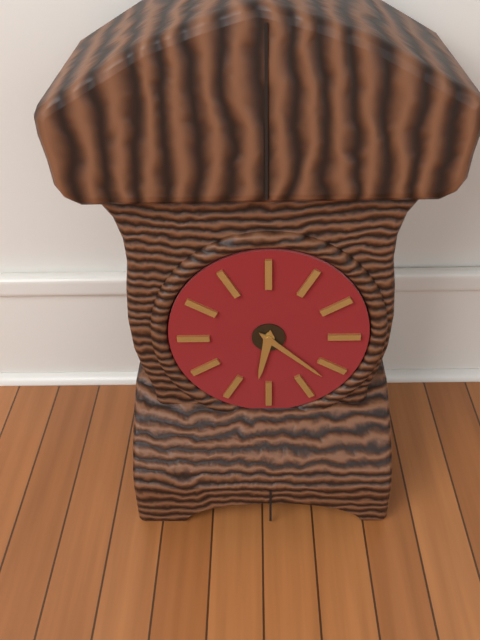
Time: {"hour": 6, "minute": 22}
